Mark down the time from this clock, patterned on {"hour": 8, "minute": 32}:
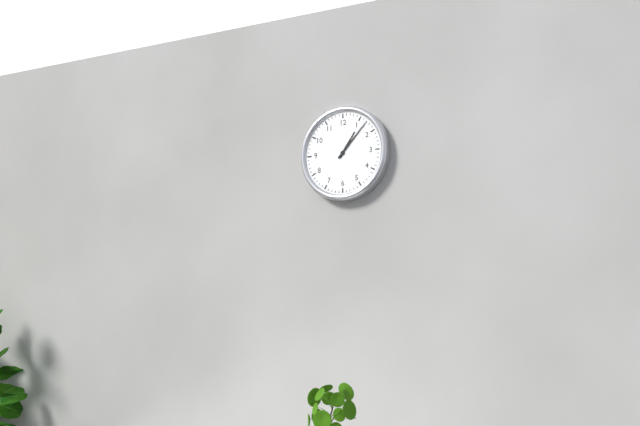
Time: {"hour": 1, "minute": 7}
